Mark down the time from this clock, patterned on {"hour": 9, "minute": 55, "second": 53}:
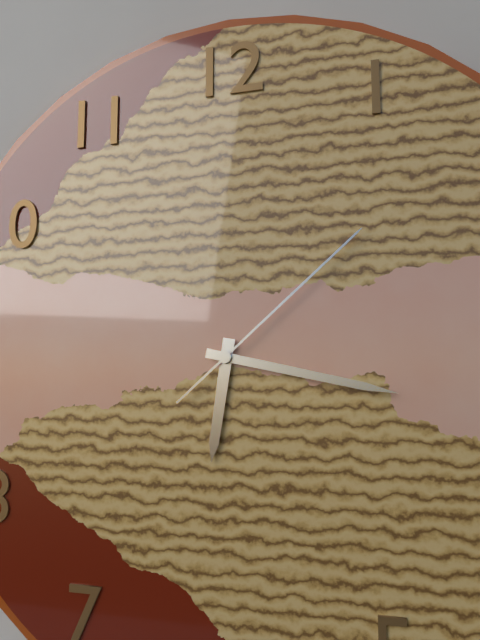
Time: {"hour": 6, "minute": 17, "second": 8}
